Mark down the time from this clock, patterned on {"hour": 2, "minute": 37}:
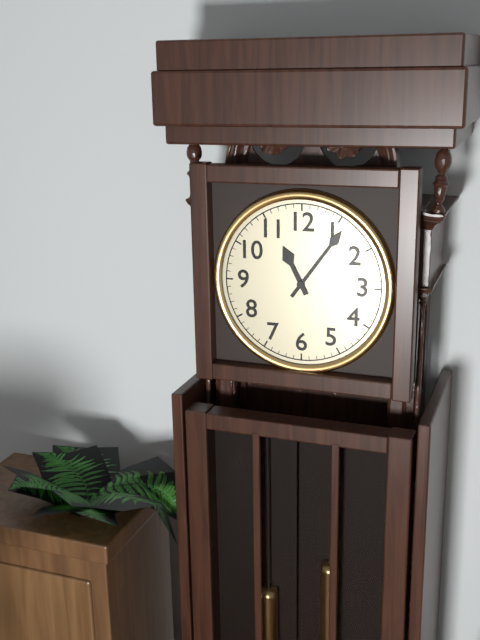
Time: {"hour": 11, "minute": 6}
